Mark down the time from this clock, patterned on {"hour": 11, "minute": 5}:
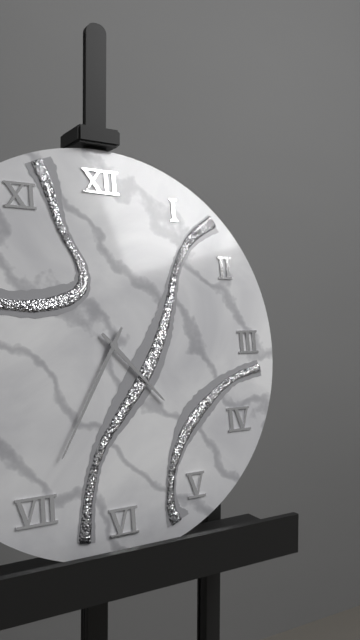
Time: {"hour": 4, "minute": 35}
